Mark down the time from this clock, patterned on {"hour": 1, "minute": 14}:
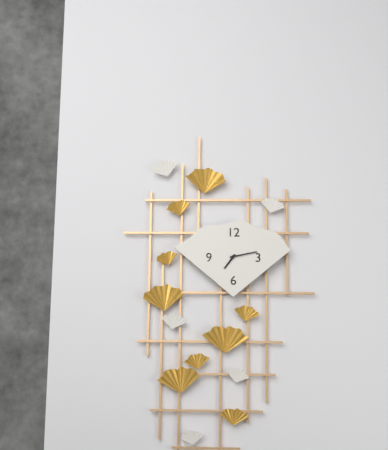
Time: {"hour": 7, "minute": 13}
